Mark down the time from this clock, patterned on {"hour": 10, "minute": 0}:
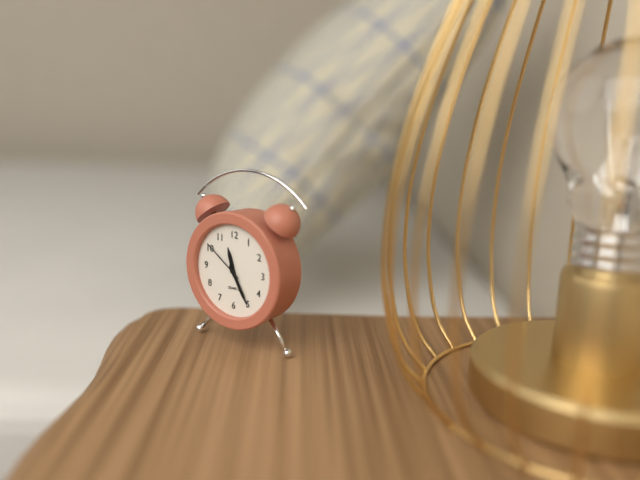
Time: {"hour": 11, "minute": 25}
